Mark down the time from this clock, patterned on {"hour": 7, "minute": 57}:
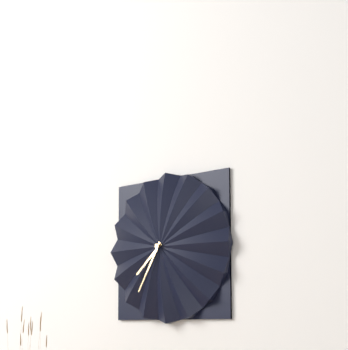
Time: {"hour": 7, "minute": 35}
